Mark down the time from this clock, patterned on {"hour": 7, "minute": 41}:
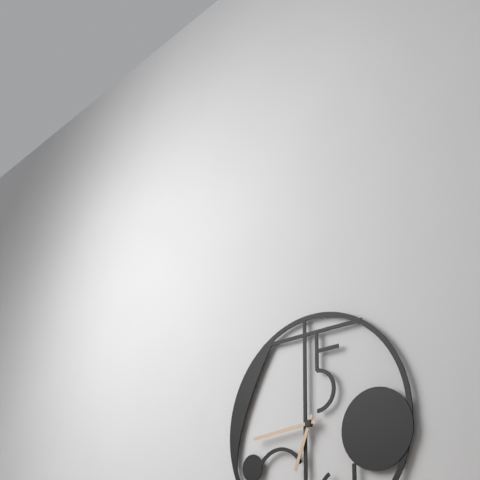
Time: {"hour": 6, "minute": 44}
